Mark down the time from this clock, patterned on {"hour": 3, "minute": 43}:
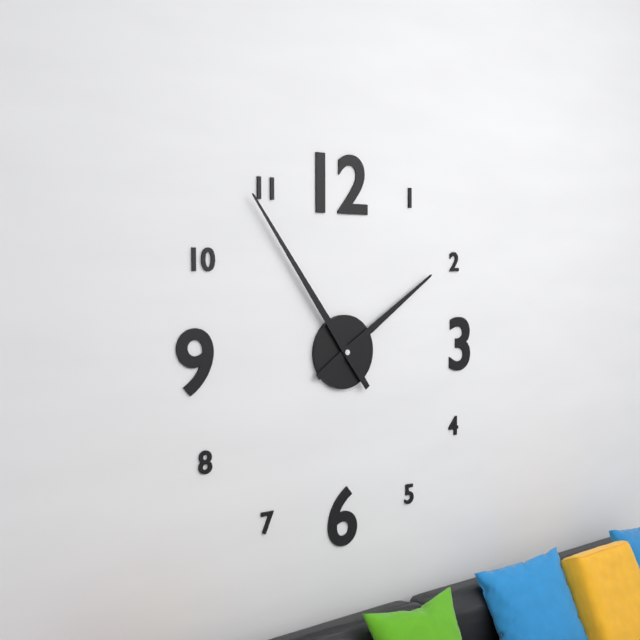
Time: {"hour": 1, "minute": 54}
